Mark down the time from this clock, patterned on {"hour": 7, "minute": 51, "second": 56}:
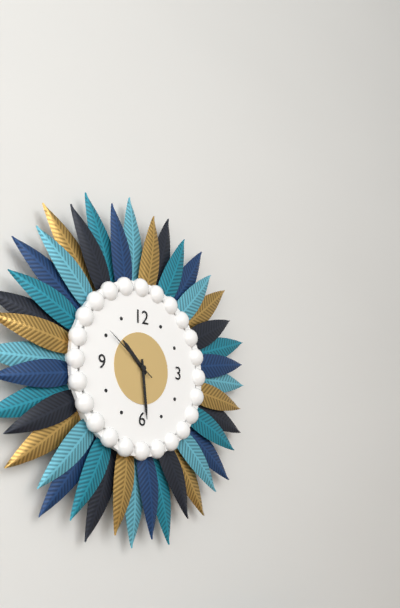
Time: {"hour": 10, "minute": 29, "second": 51}
